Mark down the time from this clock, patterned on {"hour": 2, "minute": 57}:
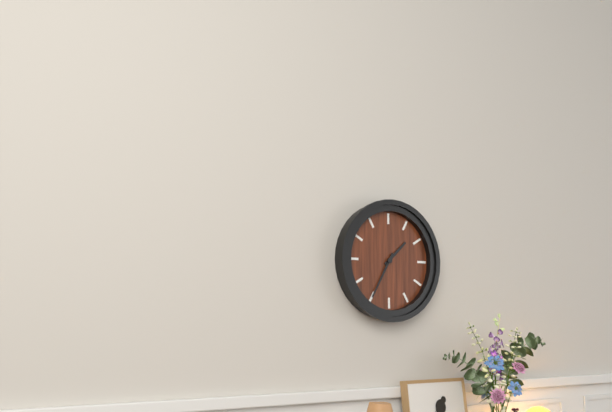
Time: {"hour": 1, "minute": 35}
